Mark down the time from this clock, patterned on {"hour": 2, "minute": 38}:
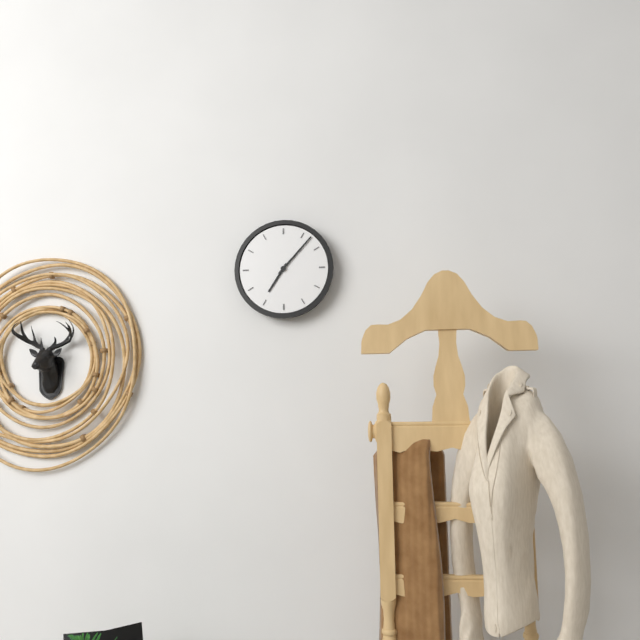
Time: {"hour": 7, "minute": 7}
